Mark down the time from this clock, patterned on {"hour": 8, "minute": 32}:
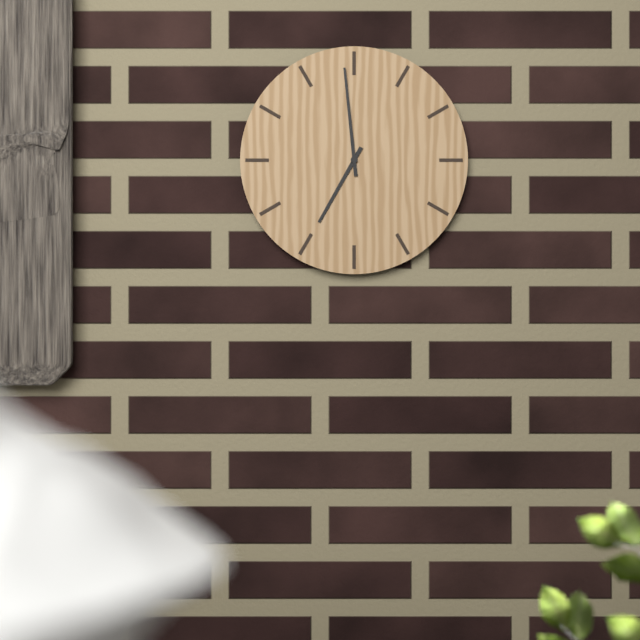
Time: {"hour": 6, "minute": 59}
